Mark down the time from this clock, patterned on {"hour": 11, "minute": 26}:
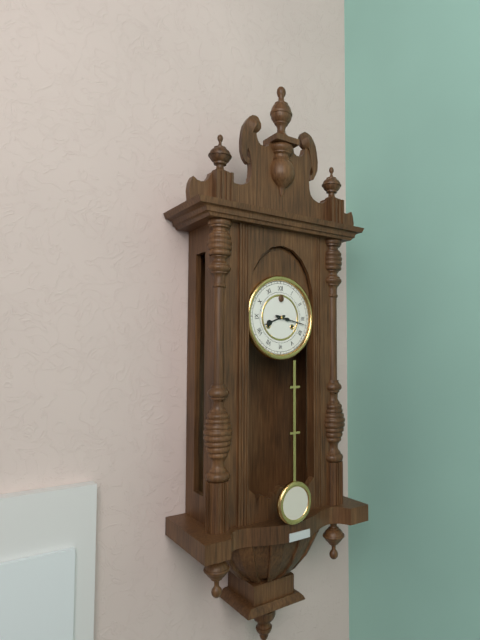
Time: {"hour": 8, "minute": 17}
